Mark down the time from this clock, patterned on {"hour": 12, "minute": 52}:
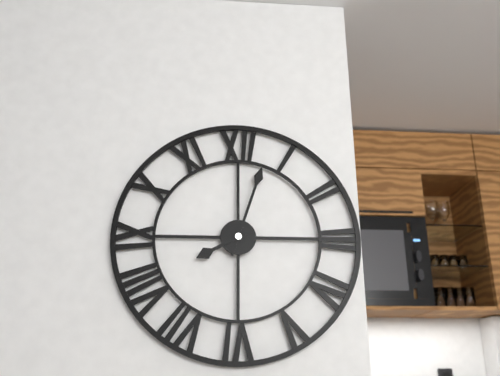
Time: {"hour": 8, "minute": 3}
